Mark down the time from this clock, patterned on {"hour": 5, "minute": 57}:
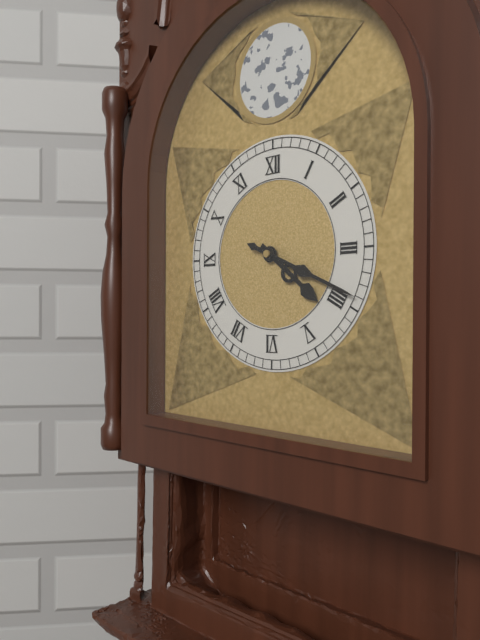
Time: {"hour": 4, "minute": 19}
